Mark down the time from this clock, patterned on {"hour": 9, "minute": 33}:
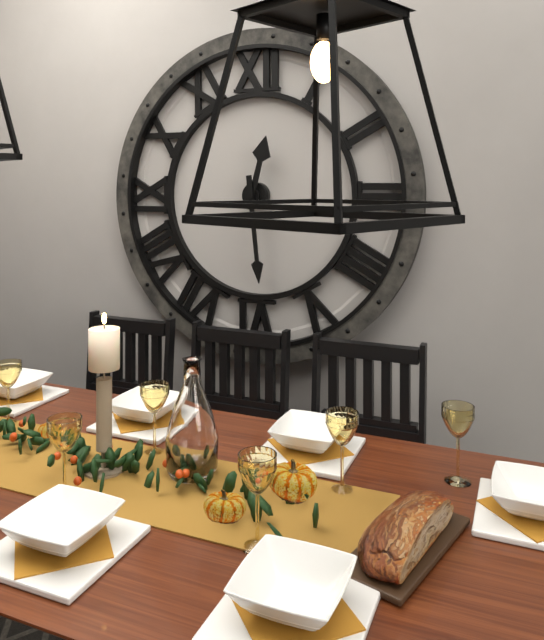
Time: {"hour": 12, "minute": 29}
